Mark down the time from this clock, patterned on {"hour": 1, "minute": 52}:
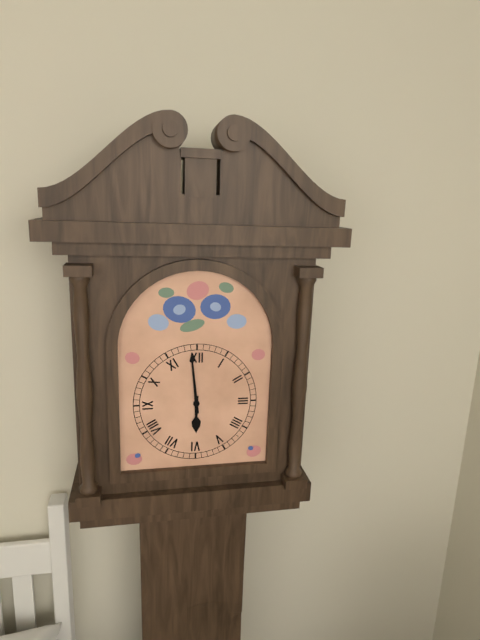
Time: {"hour": 5, "minute": 59}
